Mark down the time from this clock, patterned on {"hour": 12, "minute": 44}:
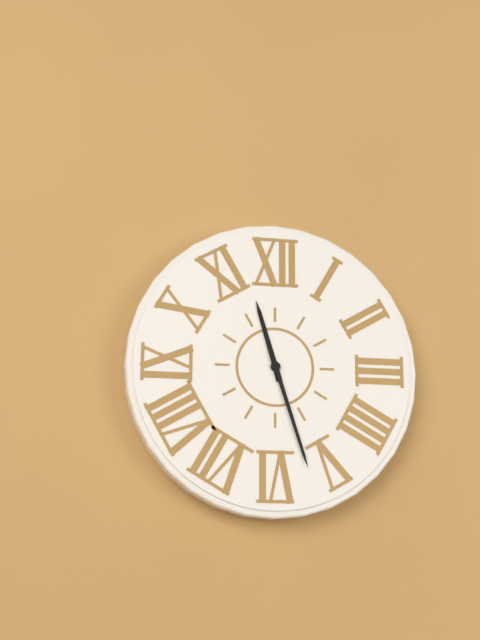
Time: {"hour": 11, "minute": 27}
